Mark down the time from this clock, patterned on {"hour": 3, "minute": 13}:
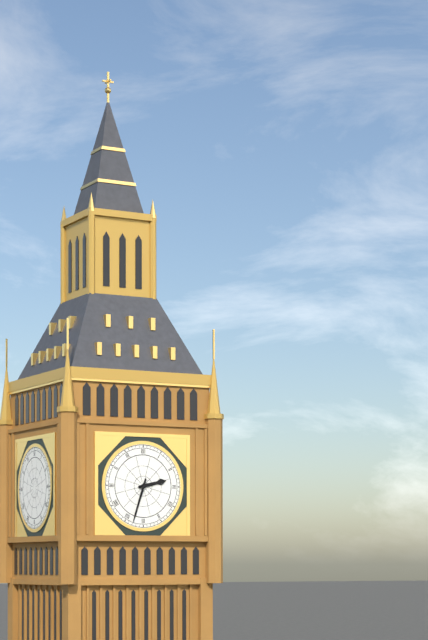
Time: {"hour": 2, "minute": 33}
